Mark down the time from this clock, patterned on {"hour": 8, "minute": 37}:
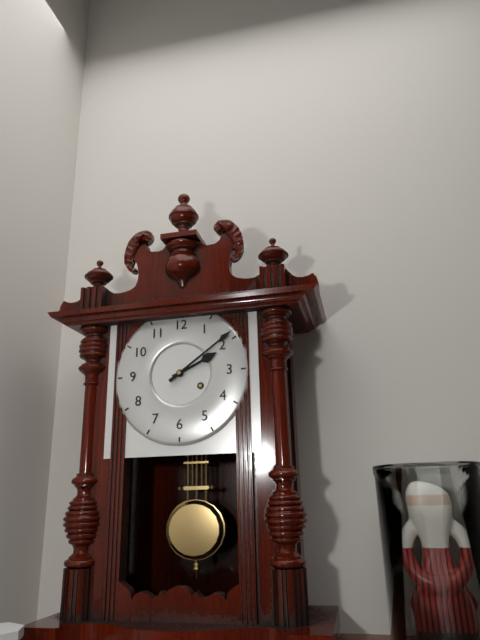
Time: {"hour": 2, "minute": 9}
